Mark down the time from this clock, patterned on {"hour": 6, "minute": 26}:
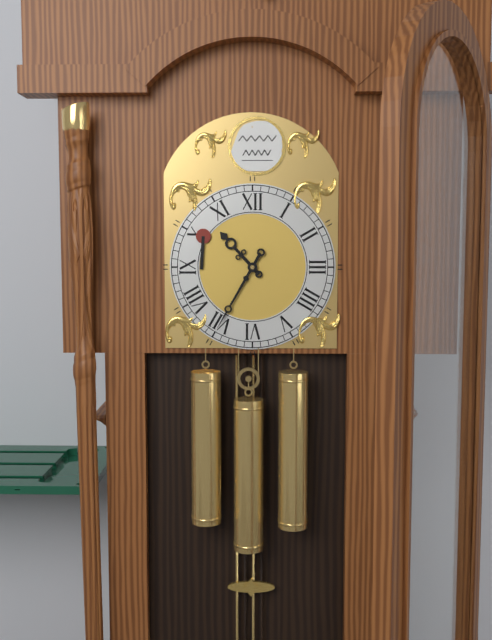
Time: {"hour": 10, "minute": 35}
